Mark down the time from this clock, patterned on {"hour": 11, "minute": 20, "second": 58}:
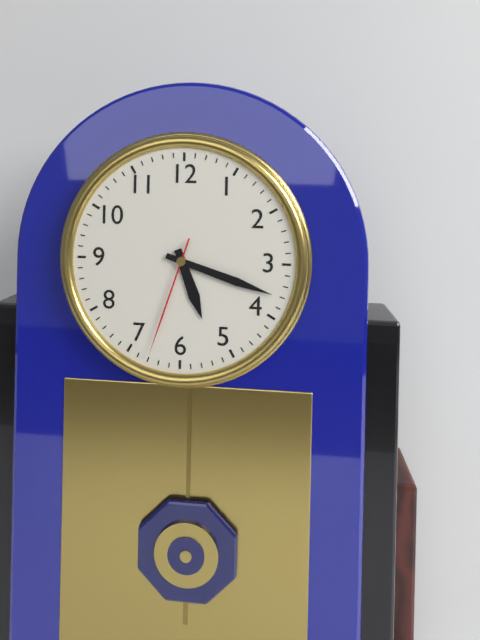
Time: {"hour": 5, "minute": 18, "second": 33}
